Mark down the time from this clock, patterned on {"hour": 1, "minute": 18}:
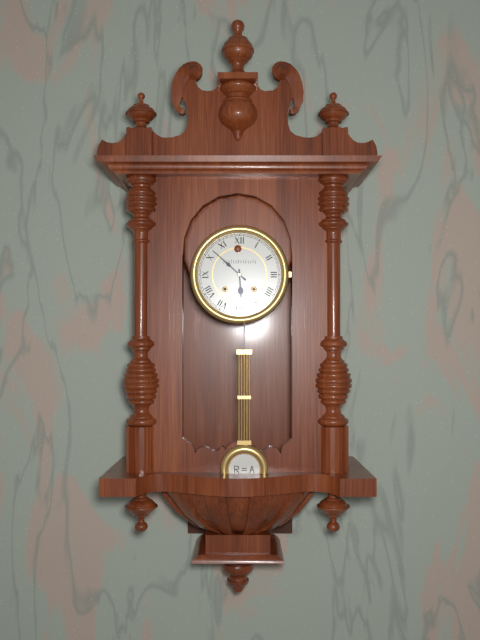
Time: {"hour": 5, "minute": 52}
